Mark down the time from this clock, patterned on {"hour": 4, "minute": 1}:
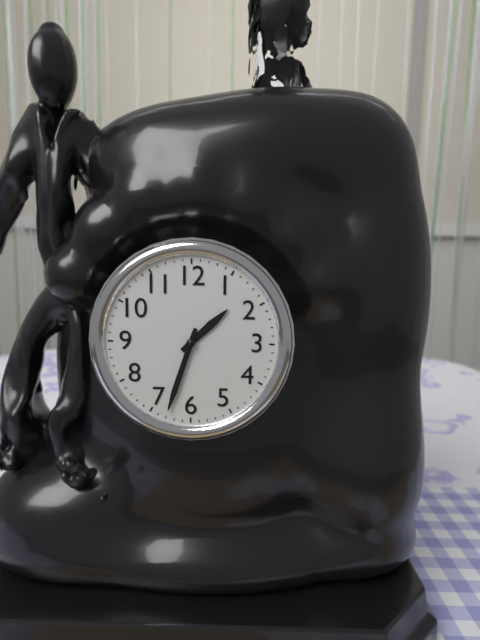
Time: {"hour": 1, "minute": 33}
